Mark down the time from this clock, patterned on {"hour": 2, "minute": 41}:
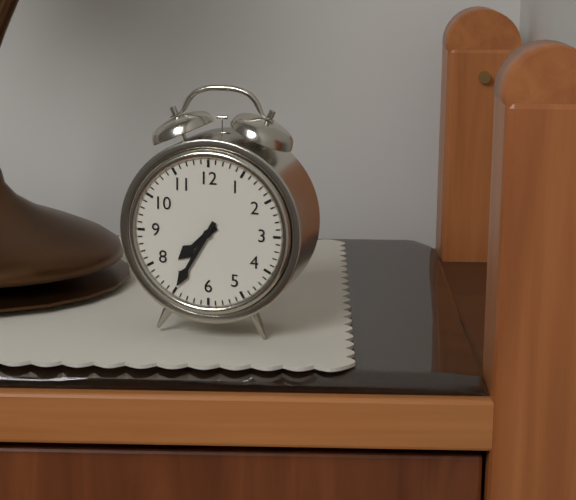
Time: {"hour": 7, "minute": 35}
